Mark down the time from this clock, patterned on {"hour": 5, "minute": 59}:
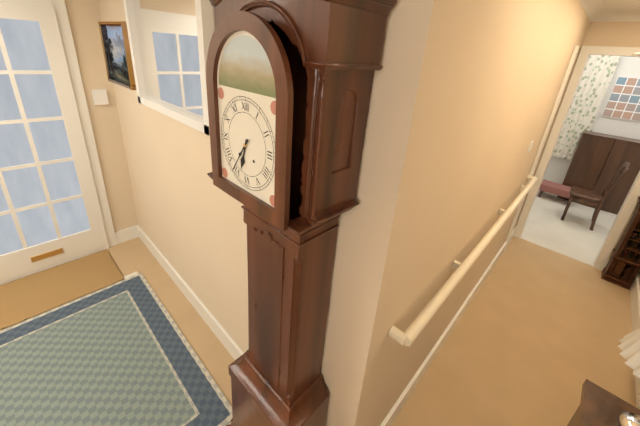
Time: {"hour": 6, "minute": 36}
